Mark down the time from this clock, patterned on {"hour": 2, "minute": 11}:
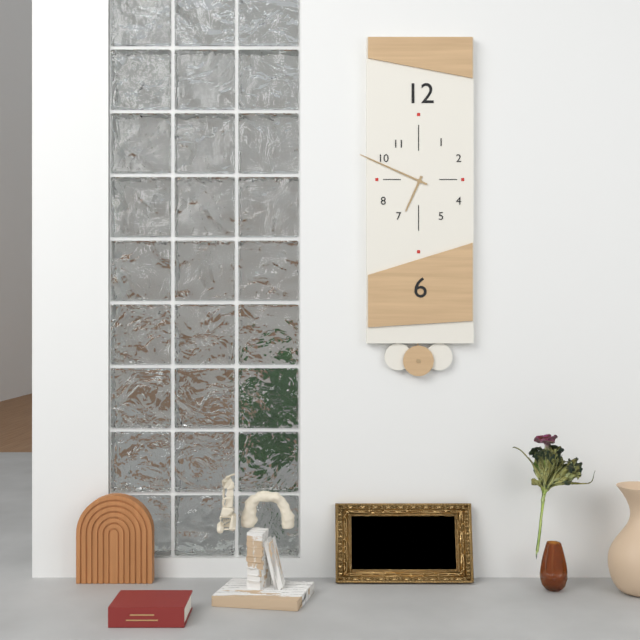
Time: {"hour": 6, "minute": 49}
